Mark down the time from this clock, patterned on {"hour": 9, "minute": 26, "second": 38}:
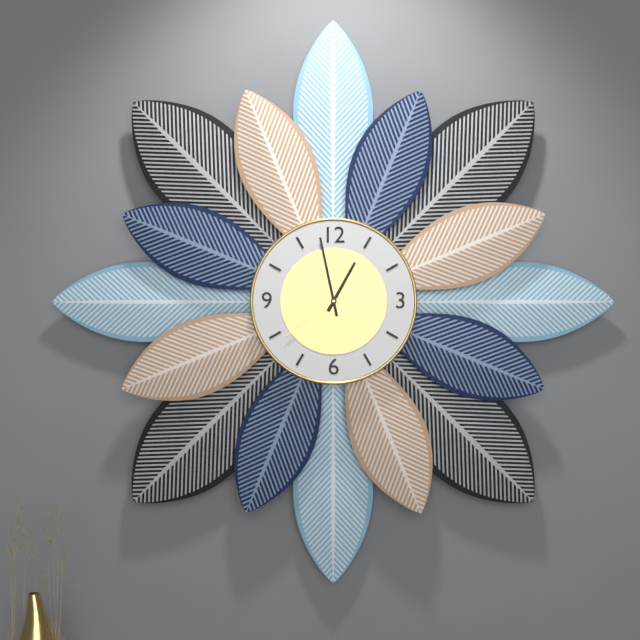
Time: {"hour": 12, "minute": 58, "second": 39}
